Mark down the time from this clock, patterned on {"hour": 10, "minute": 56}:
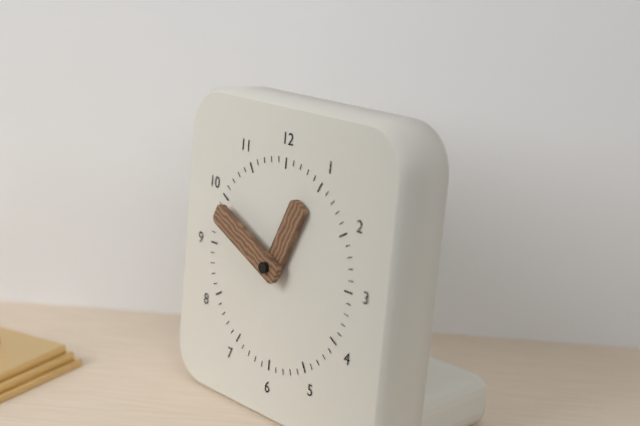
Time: {"hour": 12, "minute": 49}
